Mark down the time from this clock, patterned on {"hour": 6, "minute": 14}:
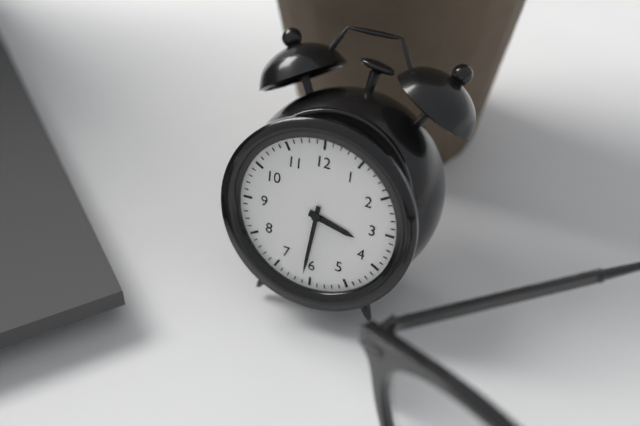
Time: {"hour": 3, "minute": 31}
